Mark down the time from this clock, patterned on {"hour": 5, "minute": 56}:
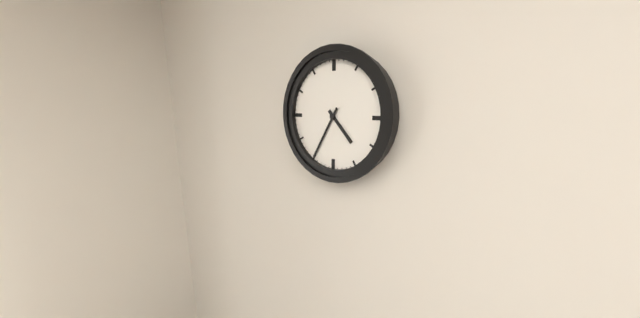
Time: {"hour": 4, "minute": 35}
